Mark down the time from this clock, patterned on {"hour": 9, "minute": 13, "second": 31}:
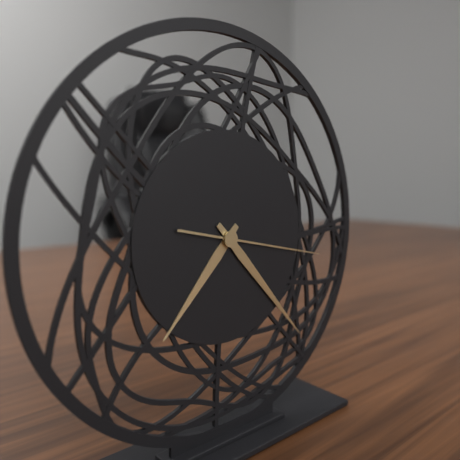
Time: {"hour": 7, "minute": 23, "second": 17}
